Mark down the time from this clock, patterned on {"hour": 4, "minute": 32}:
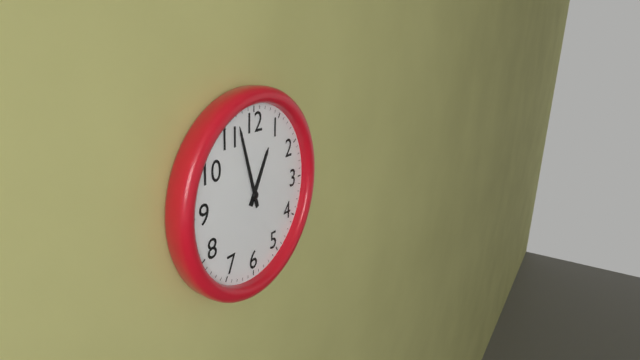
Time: {"hour": 12, "minute": 57}
